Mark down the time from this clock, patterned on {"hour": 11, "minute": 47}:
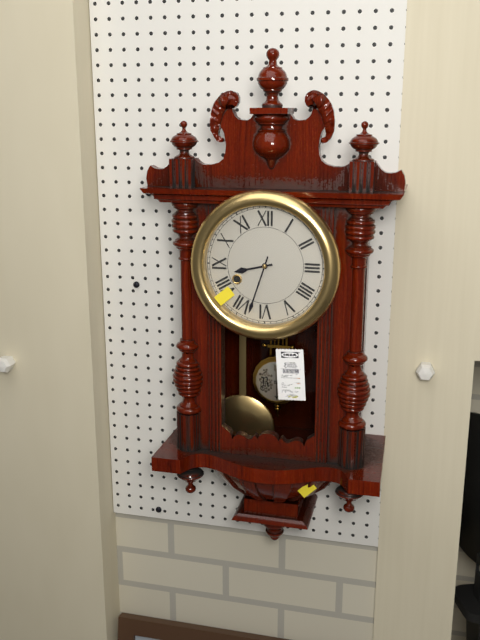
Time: {"hour": 8, "minute": 33}
